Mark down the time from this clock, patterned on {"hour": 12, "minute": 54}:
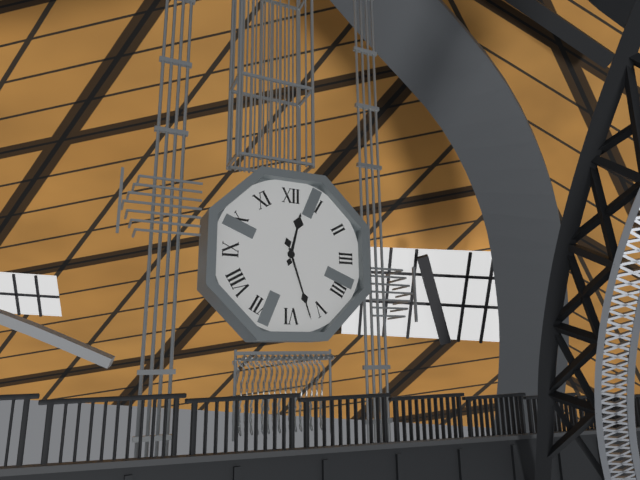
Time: {"hour": 12, "minute": 27}
